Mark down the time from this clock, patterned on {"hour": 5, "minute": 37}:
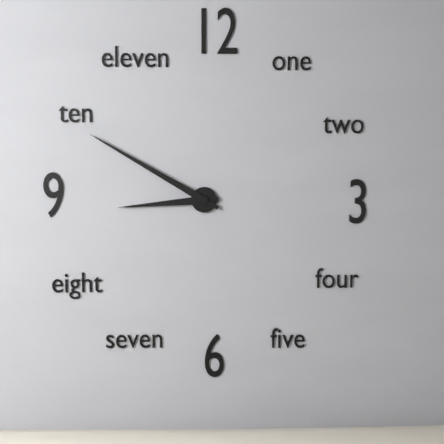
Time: {"hour": 8, "minute": 50}
